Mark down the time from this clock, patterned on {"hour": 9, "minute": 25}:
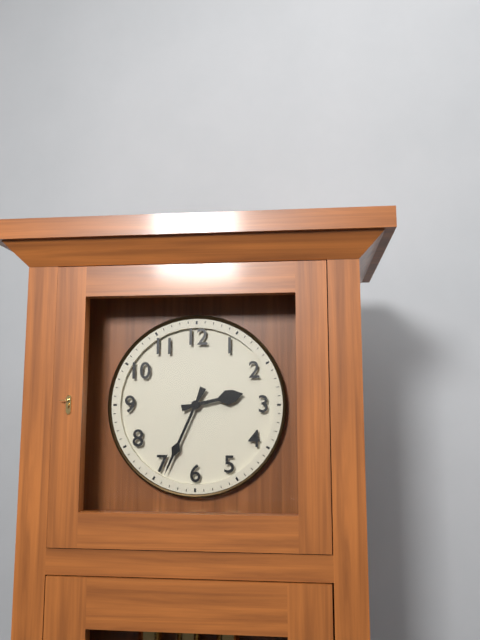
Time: {"hour": 2, "minute": 34}
